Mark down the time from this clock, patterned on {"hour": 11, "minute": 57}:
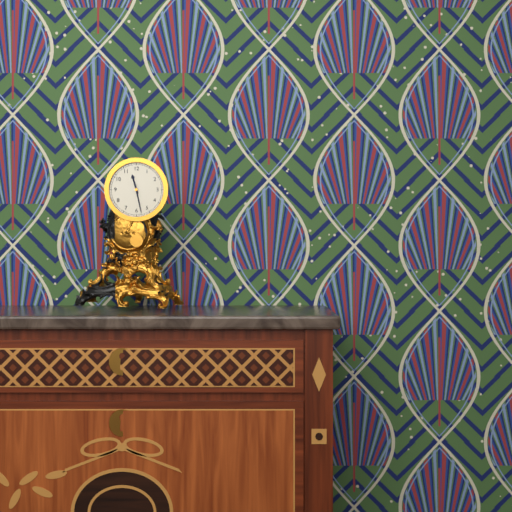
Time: {"hour": 11, "minute": 28}
